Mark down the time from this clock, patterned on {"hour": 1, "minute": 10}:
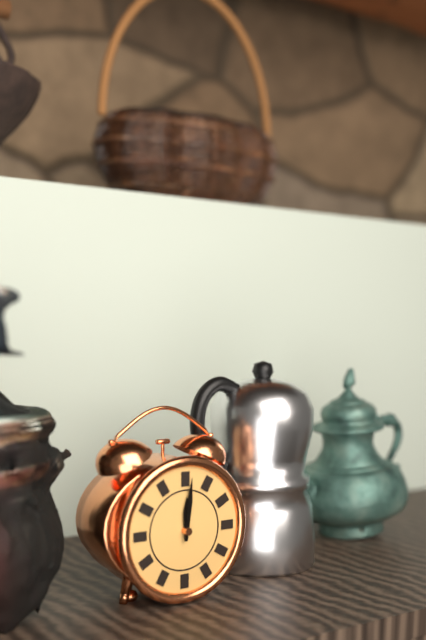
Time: {"hour": 12, "minute": 1}
